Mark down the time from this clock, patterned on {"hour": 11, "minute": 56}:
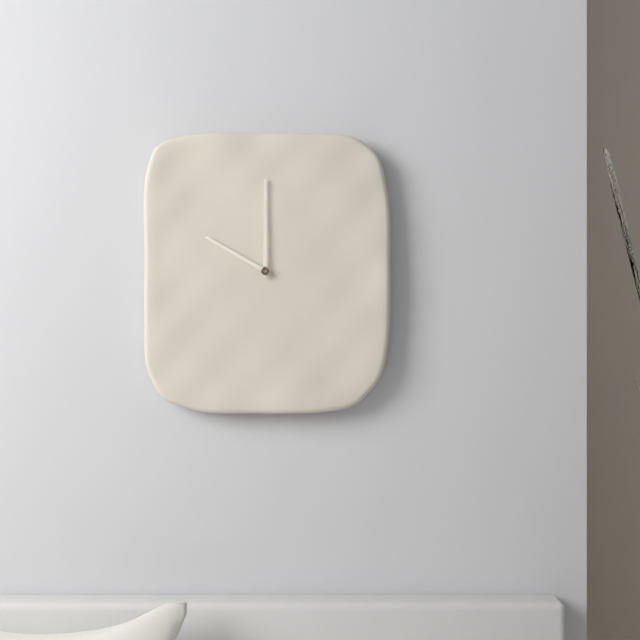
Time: {"hour": 10, "minute": 0}
